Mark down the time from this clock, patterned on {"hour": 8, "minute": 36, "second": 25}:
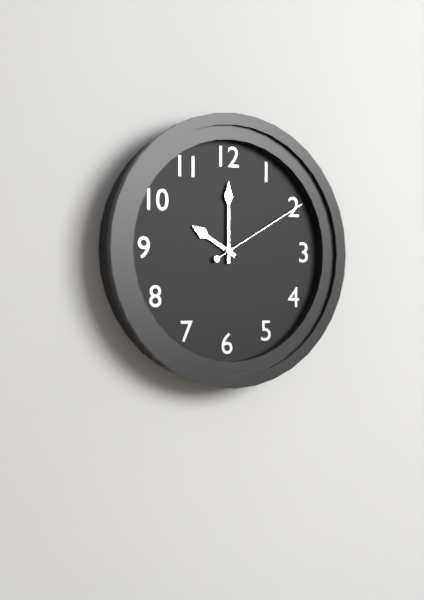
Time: {"hour": 10, "minute": 0, "second": 10}
